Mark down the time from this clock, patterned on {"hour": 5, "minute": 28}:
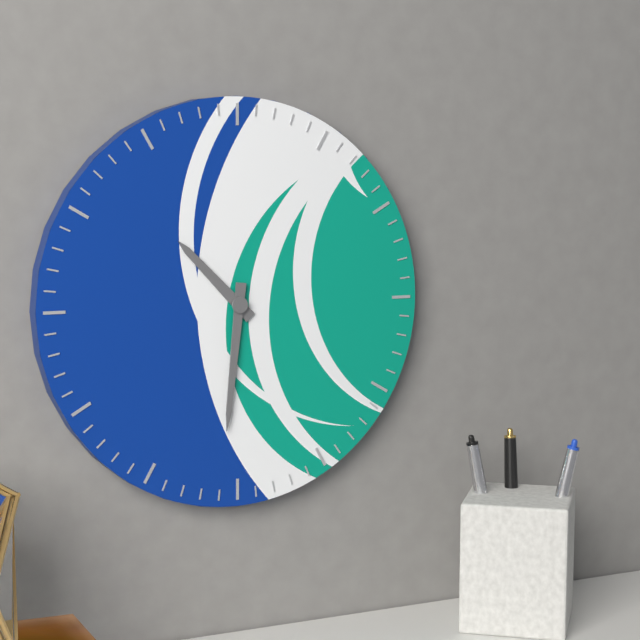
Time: {"hour": 10, "minute": 31}
